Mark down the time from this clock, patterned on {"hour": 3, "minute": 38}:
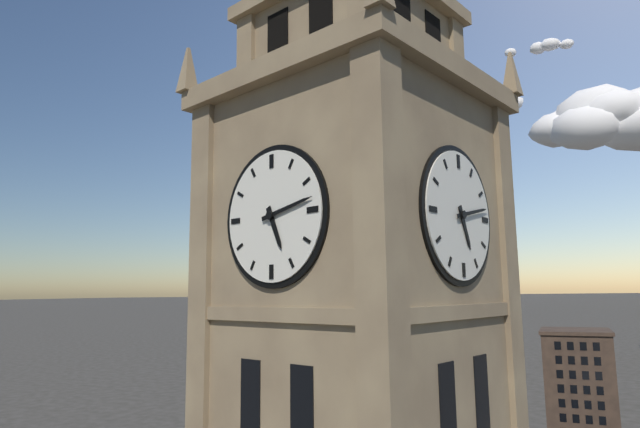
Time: {"hour": 5, "minute": 13}
